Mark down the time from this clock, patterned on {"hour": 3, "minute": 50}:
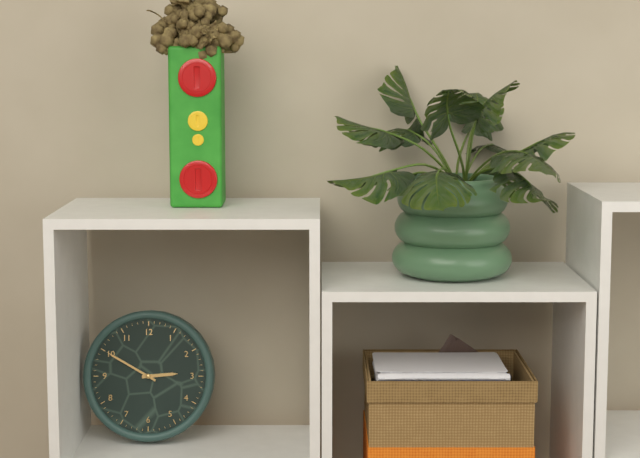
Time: {"hour": 2, "minute": 50}
